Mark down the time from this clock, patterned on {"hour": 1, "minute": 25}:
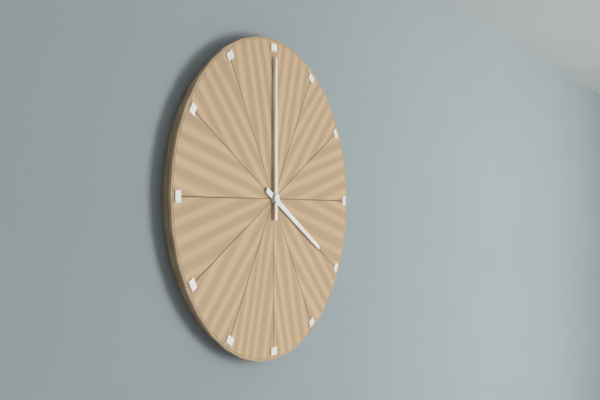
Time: {"hour": 4, "minute": 0}
